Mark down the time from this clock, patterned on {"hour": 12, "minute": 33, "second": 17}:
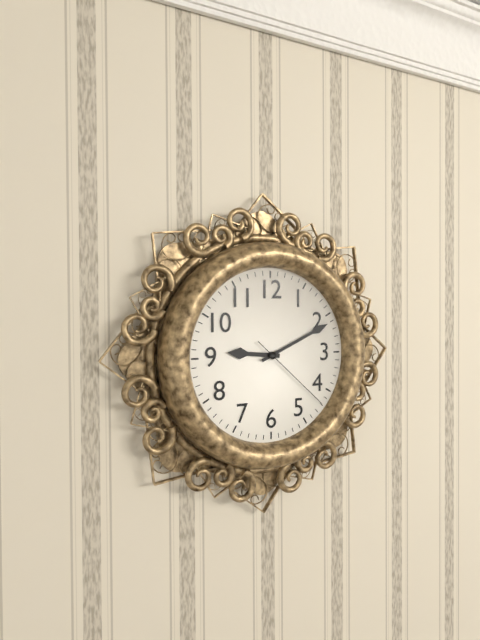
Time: {"hour": 9, "minute": 11, "second": 22}
